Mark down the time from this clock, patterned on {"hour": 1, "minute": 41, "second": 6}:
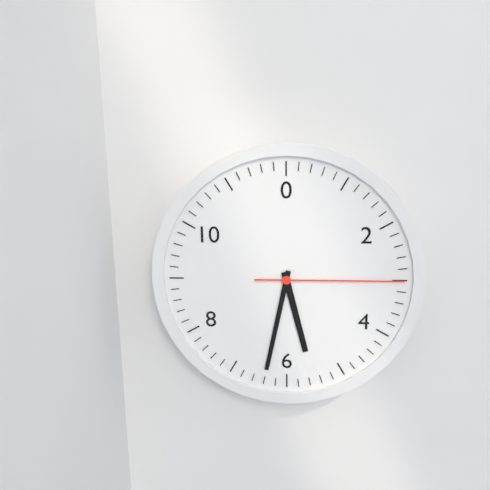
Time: {"hour": 5, "minute": 32, "second": 15}
